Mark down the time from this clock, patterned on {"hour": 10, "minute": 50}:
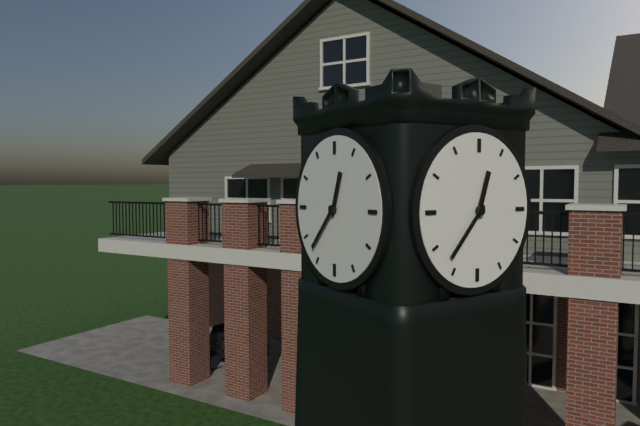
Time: {"hour": 12, "minute": 37}
